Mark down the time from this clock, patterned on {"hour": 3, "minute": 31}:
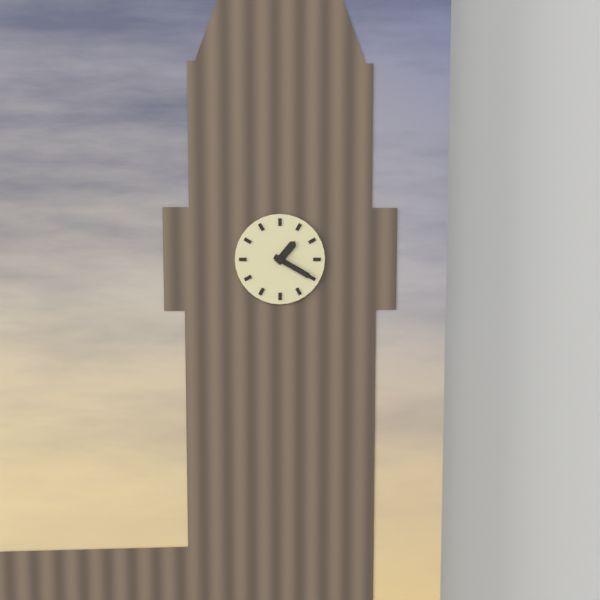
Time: {"hour": 1, "minute": 20}
